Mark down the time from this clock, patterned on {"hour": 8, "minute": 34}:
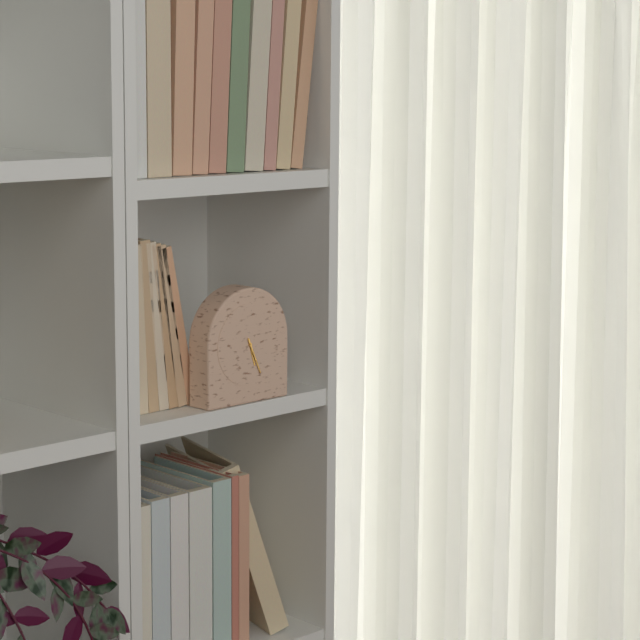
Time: {"hour": 5, "minute": 26}
